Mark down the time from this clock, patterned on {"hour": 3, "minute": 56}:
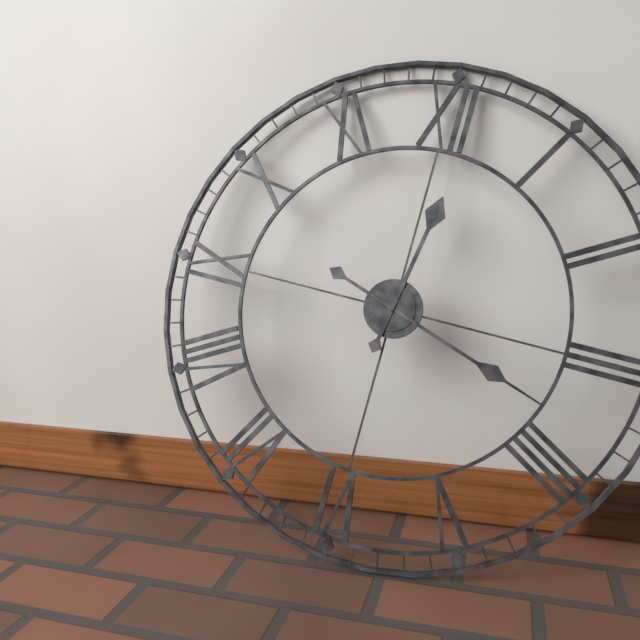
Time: {"hour": 12, "minute": 18}
